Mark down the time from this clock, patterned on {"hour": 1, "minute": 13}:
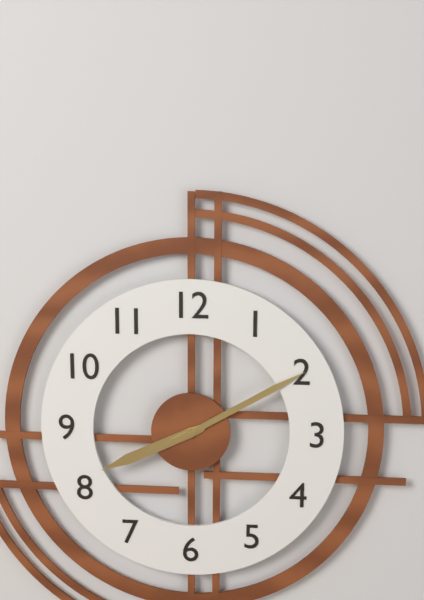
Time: {"hour": 8, "minute": 10}
